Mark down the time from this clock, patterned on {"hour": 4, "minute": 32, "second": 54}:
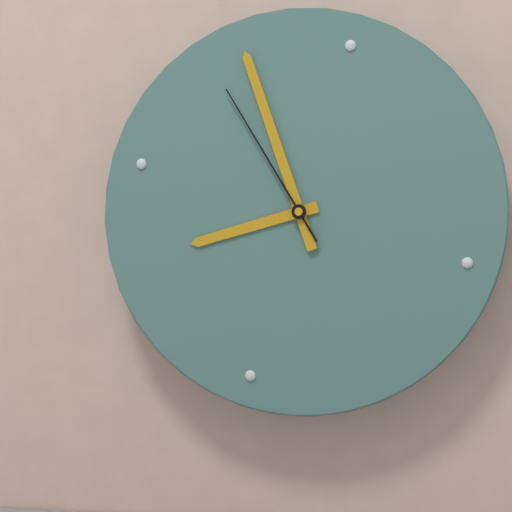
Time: {"hour": 7, "minute": 54, "second": 52}
